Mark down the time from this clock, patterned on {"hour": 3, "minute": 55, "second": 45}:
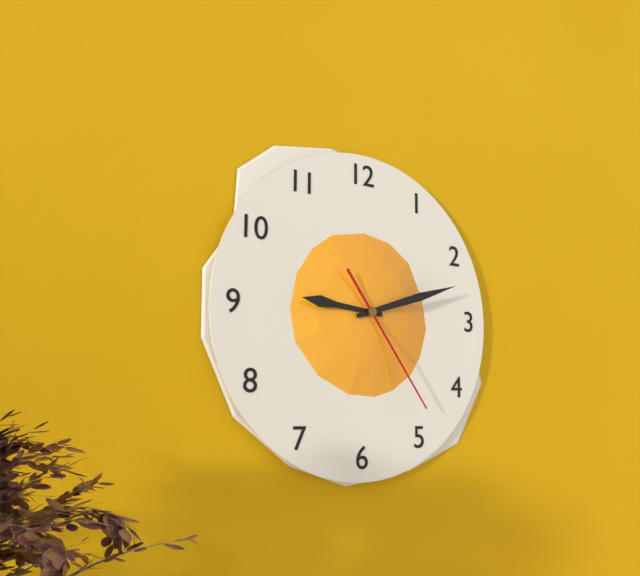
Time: {"hour": 9, "minute": 12, "second": 24}
